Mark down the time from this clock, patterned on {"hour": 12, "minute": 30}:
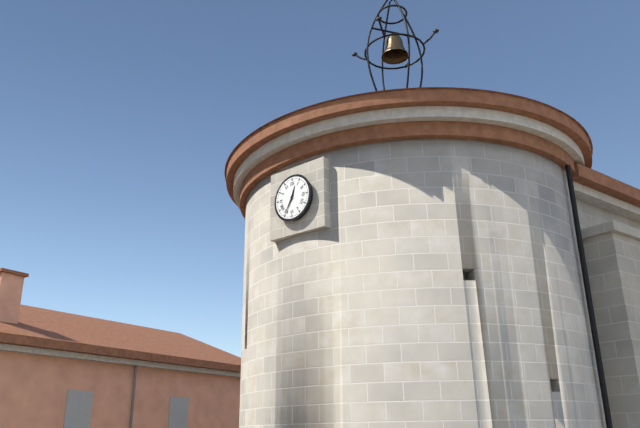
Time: {"hour": 12, "minute": 35}
